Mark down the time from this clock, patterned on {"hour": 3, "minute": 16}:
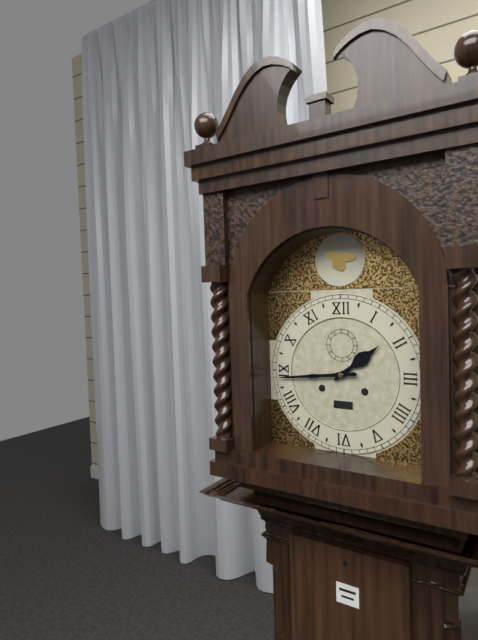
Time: {"hour": 1, "minute": 44}
